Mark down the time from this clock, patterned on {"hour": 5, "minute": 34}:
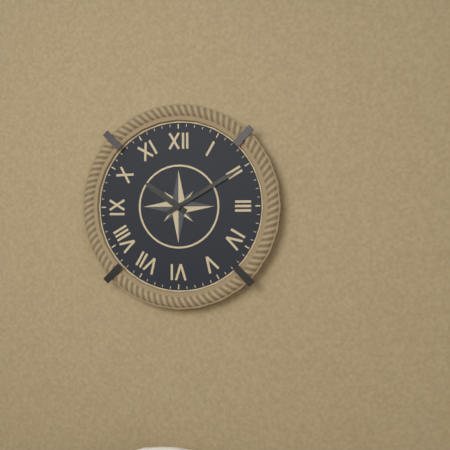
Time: {"hour": 10, "minute": 10}
